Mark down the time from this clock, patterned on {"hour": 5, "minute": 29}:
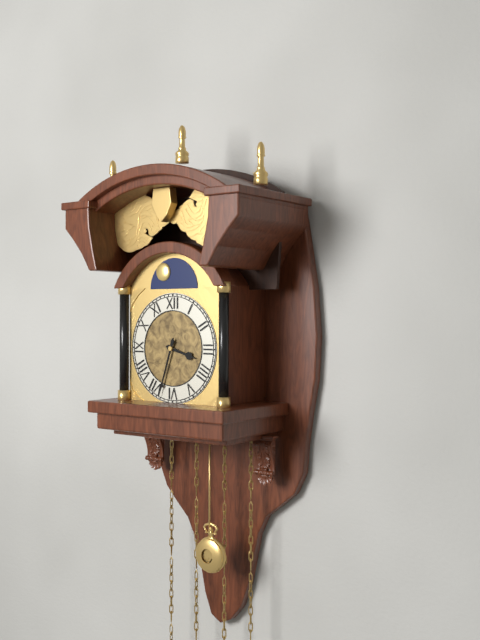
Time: {"hour": 3, "minute": 33}
